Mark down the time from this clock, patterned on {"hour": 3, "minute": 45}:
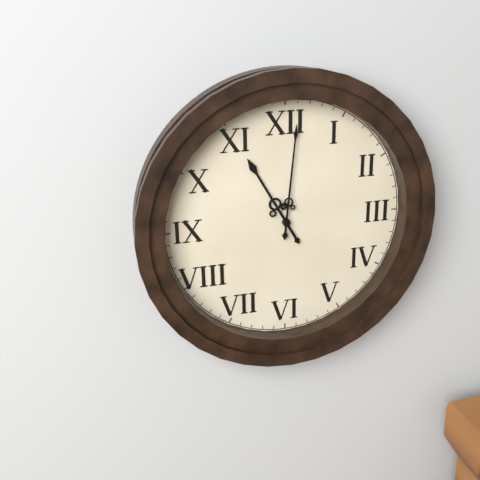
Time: {"hour": 11, "minute": 1}
